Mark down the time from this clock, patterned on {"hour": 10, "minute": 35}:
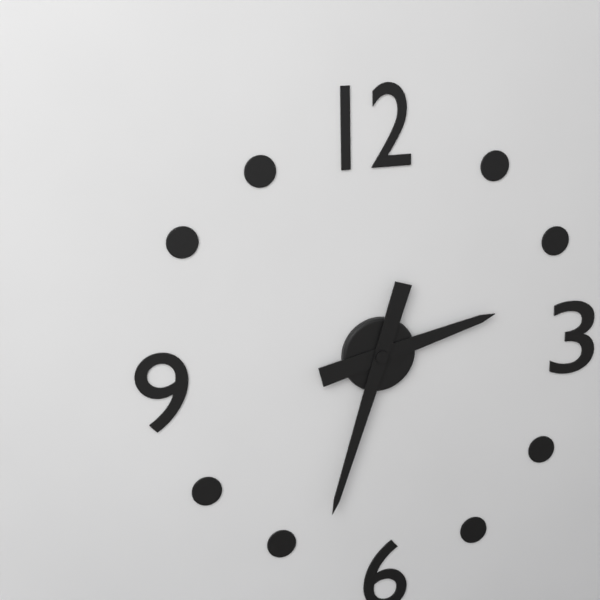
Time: {"hour": 2, "minute": 33}
